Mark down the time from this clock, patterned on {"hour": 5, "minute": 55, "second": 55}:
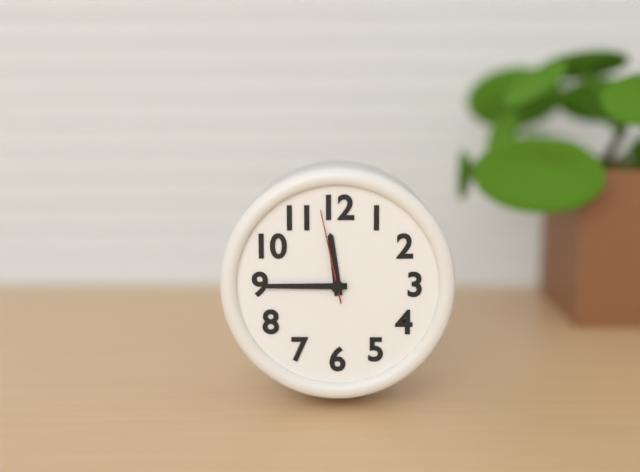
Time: {"hour": 11, "minute": 45, "second": 58}
